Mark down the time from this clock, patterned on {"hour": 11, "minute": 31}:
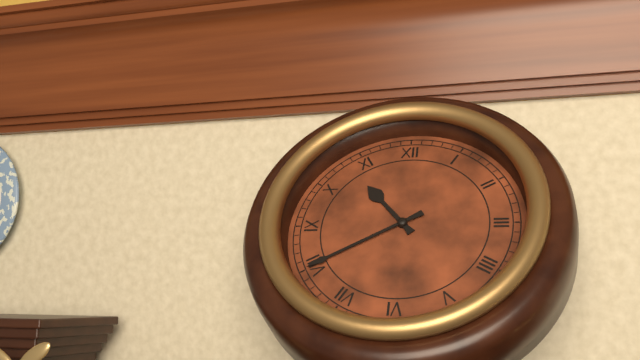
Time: {"hour": 10, "minute": 40}
